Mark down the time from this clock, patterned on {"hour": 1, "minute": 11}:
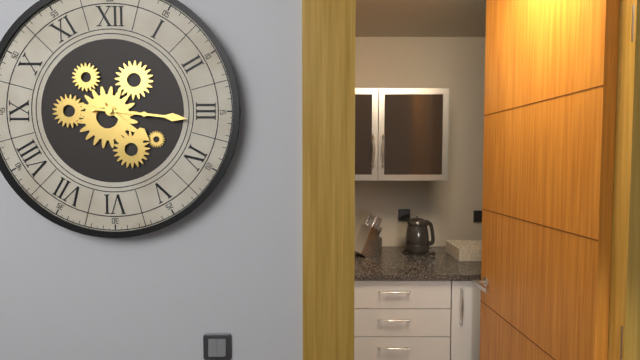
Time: {"hour": 4, "minute": 16}
